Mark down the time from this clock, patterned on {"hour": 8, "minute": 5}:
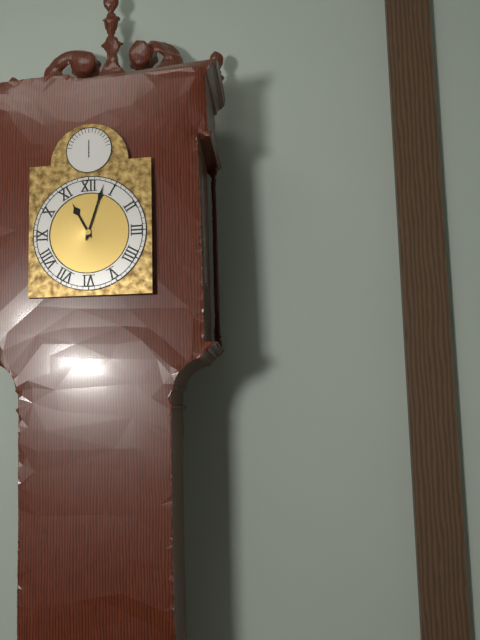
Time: {"hour": 11, "minute": 3}
